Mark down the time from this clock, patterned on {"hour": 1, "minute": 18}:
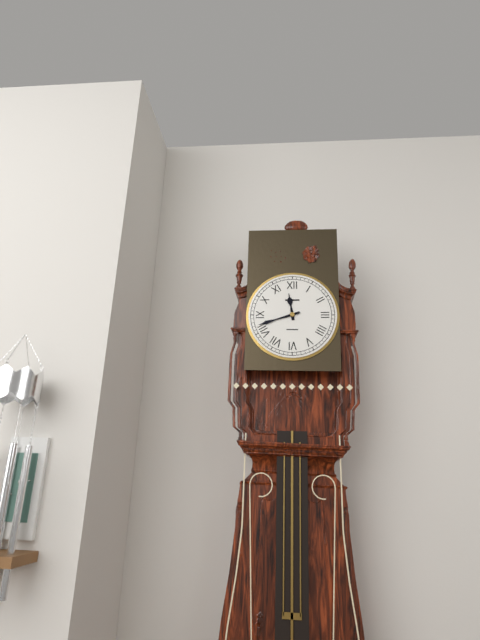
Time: {"hour": 11, "minute": 42}
